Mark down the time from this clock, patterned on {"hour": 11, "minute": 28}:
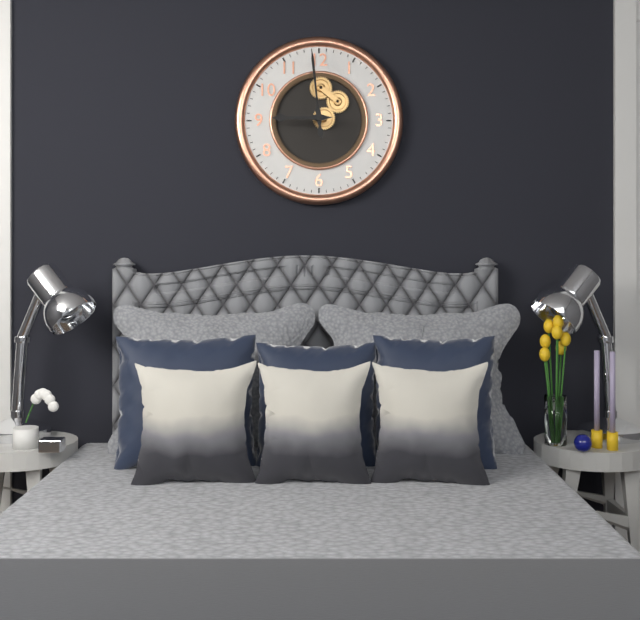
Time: {"hour": 8, "minute": 59}
